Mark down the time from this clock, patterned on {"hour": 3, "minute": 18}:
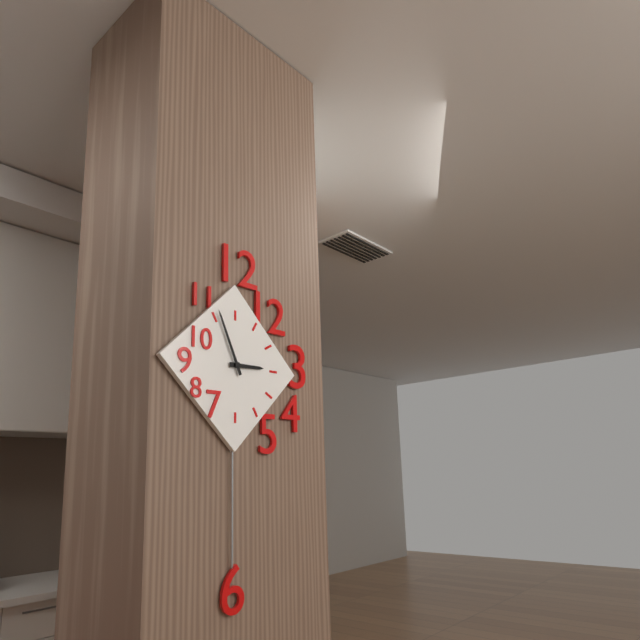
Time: {"hour": 2, "minute": 56}
